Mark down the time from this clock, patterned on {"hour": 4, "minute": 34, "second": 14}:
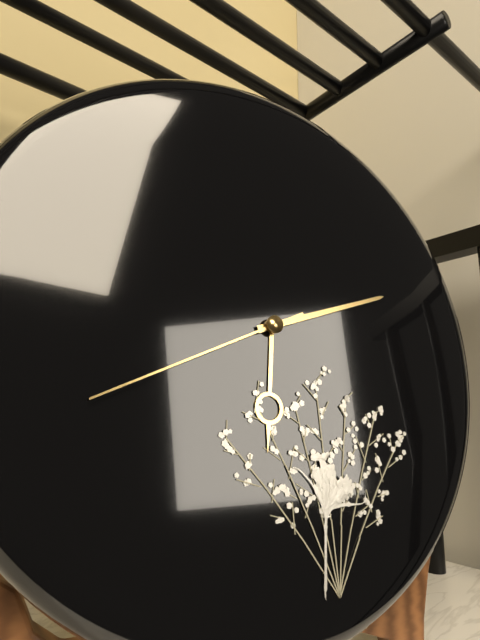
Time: {"hour": 6, "minute": 12, "second": 41}
